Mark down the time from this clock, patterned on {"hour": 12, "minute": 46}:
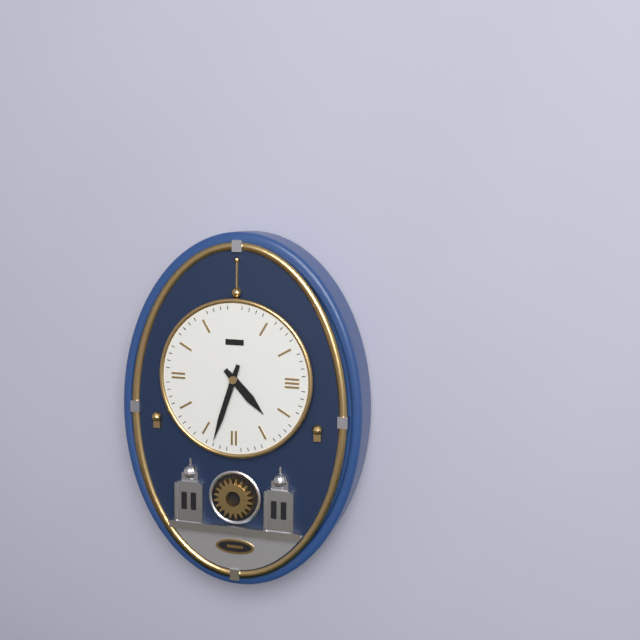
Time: {"hour": 4, "minute": 33}
